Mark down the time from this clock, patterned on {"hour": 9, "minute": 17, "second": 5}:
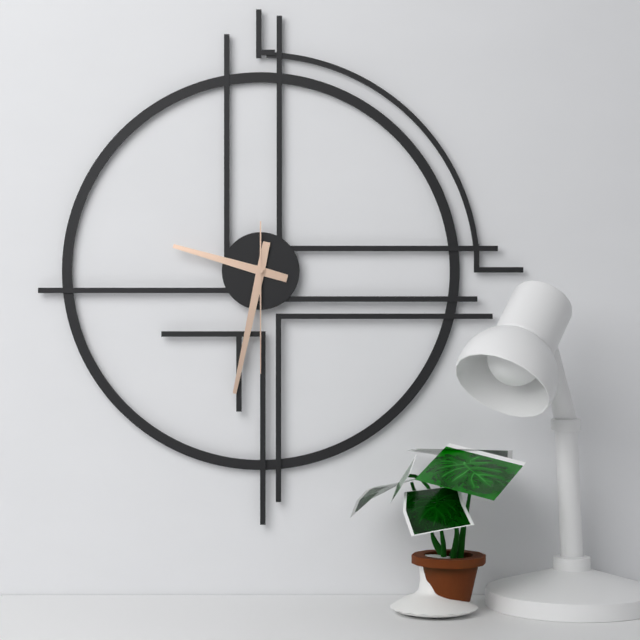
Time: {"hour": 9, "minute": 32, "second": 30}
